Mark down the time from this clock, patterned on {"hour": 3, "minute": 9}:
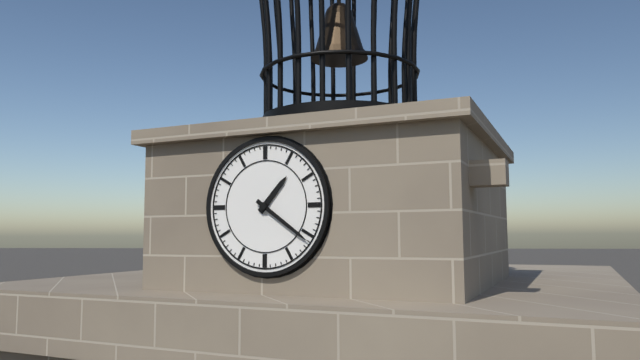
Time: {"hour": 1, "minute": 21}
